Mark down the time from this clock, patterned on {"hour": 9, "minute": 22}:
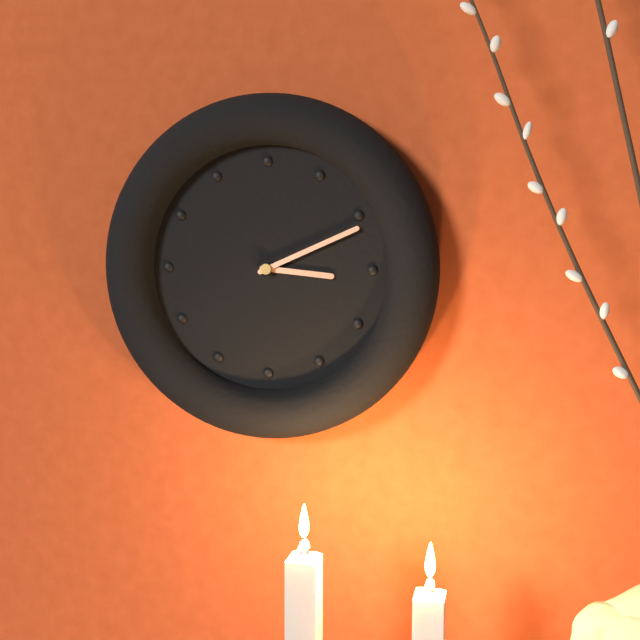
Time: {"hour": 3, "minute": 11}
